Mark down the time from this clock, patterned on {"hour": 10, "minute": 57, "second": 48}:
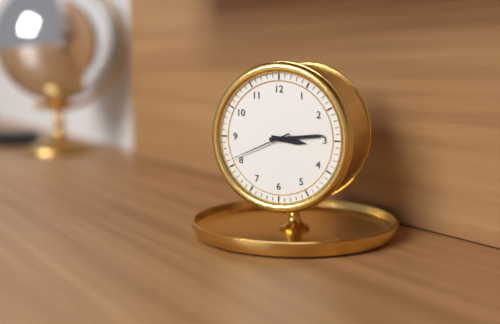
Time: {"hour": 3, "minute": 14, "second": 41}
